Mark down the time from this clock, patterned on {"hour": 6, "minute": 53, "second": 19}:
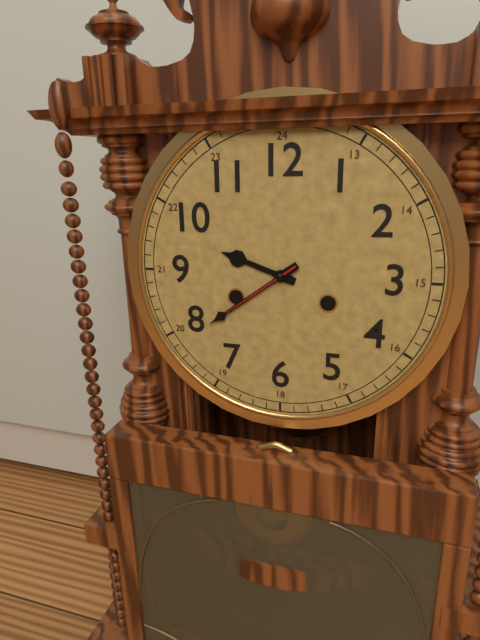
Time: {"hour": 9, "minute": 39, "second": 39}
